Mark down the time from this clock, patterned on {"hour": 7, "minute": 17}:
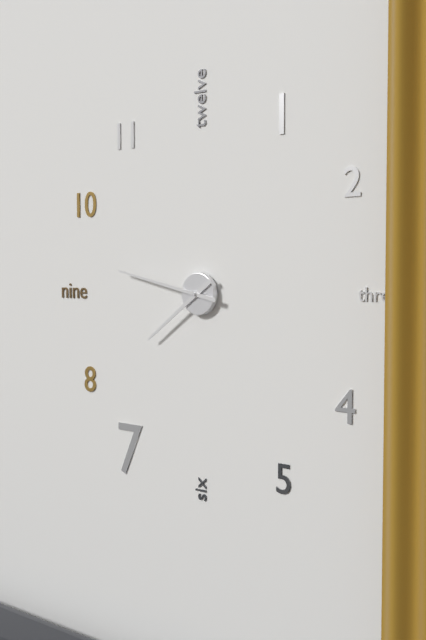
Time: {"hour": 7, "minute": 47}
